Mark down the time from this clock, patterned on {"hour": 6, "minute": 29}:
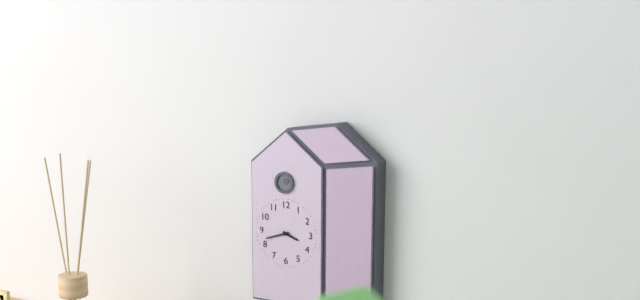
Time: {"hour": 3, "minute": 42}
